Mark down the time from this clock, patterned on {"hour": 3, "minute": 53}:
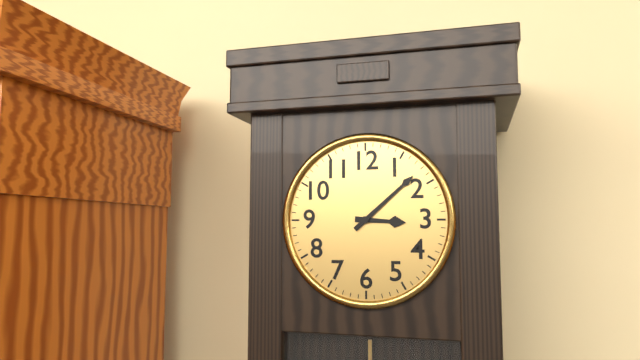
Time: {"hour": 3, "minute": 8}
